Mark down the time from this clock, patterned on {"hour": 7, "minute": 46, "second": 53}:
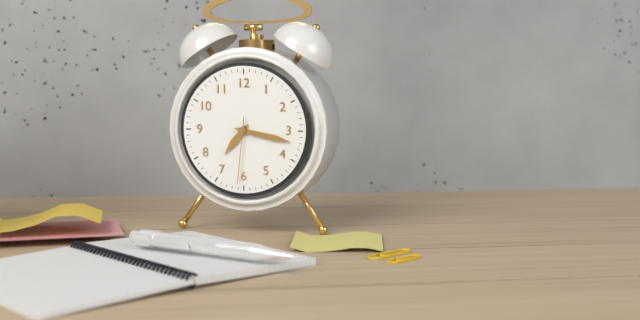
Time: {"hour": 7, "minute": 17, "second": 31}
